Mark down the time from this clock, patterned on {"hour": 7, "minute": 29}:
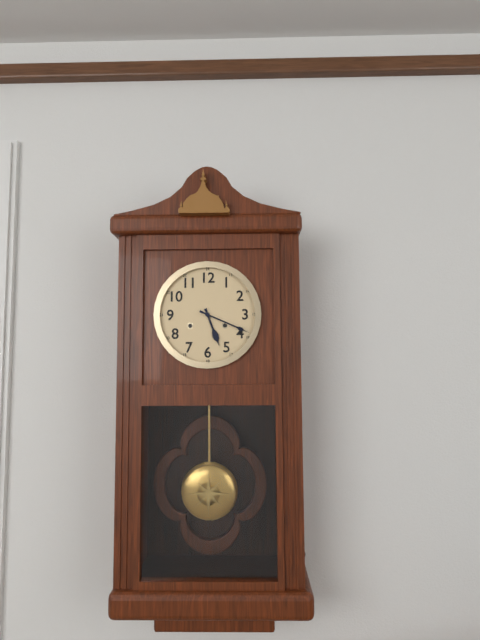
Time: {"hour": 5, "minute": 19}
